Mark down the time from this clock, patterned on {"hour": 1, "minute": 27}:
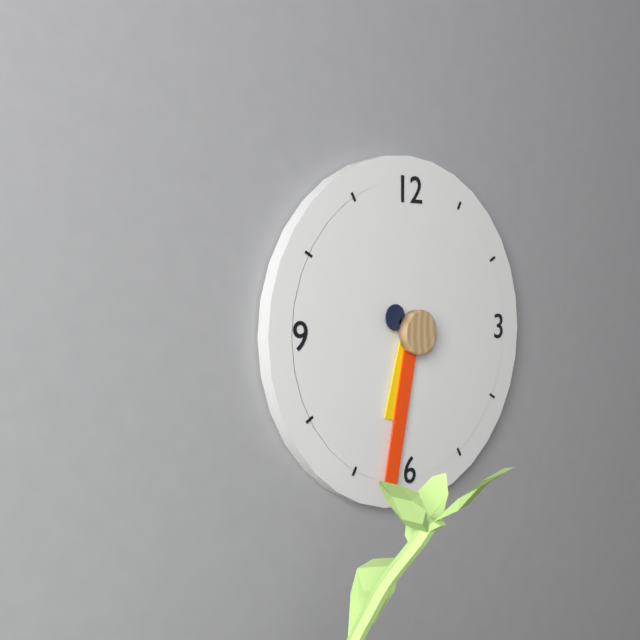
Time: {"hour": 6, "minute": 32}
